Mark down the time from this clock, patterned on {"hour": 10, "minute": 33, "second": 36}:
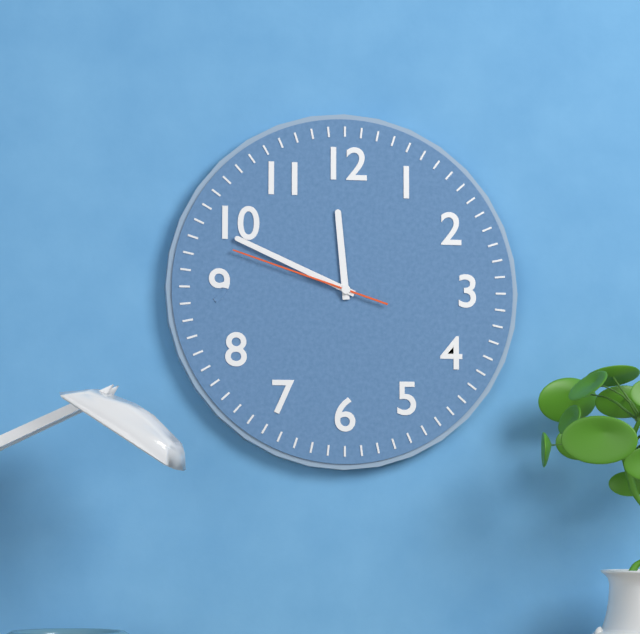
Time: {"hour": 11, "minute": 49, "second": 48}
